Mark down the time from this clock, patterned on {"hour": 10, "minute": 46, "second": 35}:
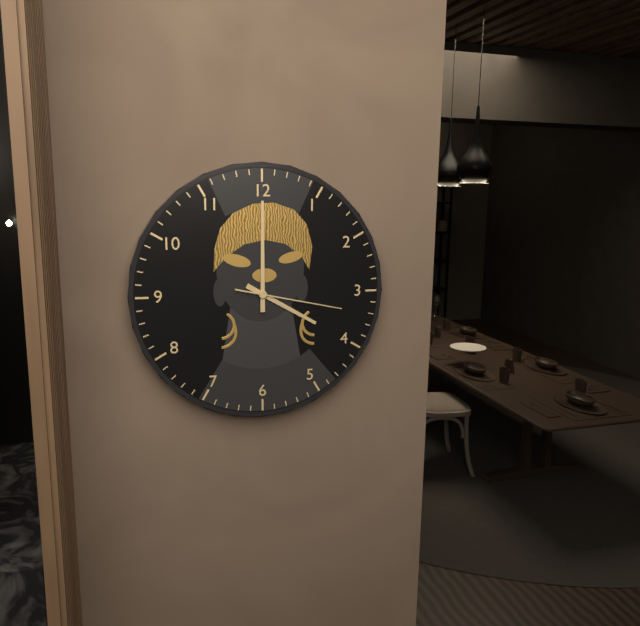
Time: {"hour": 4, "minute": 0, "second": 17}
